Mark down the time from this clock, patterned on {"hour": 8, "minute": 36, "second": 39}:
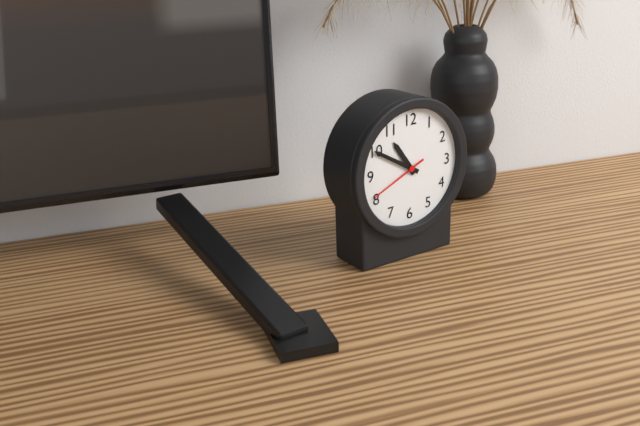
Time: {"hour": 10, "minute": 50, "second": 41}
